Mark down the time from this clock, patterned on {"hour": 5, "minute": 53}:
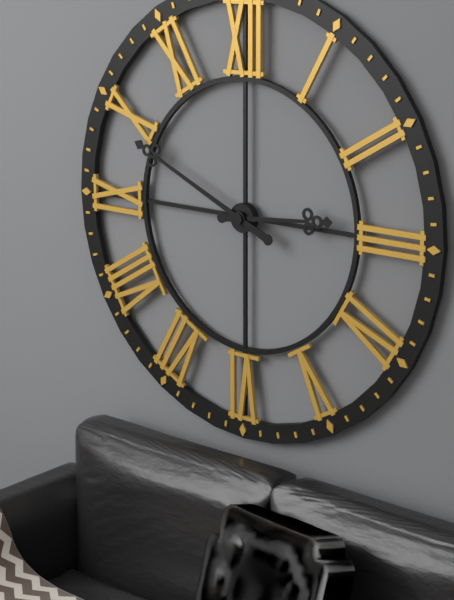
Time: {"hour": 2, "minute": 49}
